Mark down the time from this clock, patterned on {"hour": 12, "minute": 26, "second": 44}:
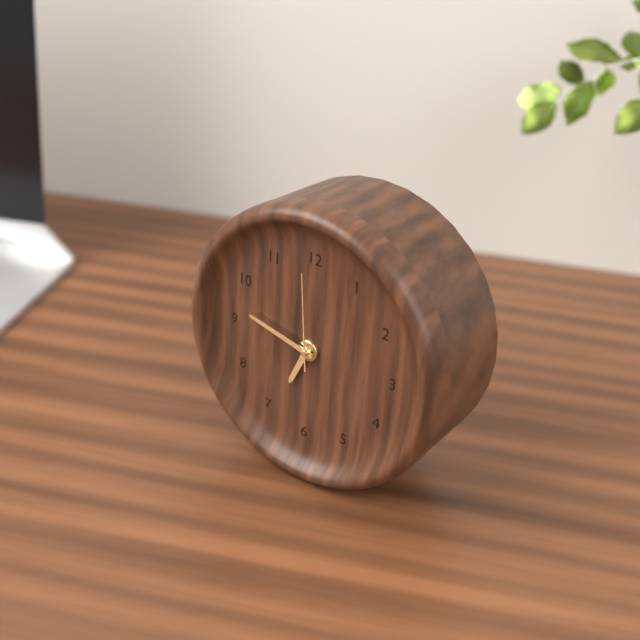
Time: {"hour": 6, "minute": 47, "second": 59}
